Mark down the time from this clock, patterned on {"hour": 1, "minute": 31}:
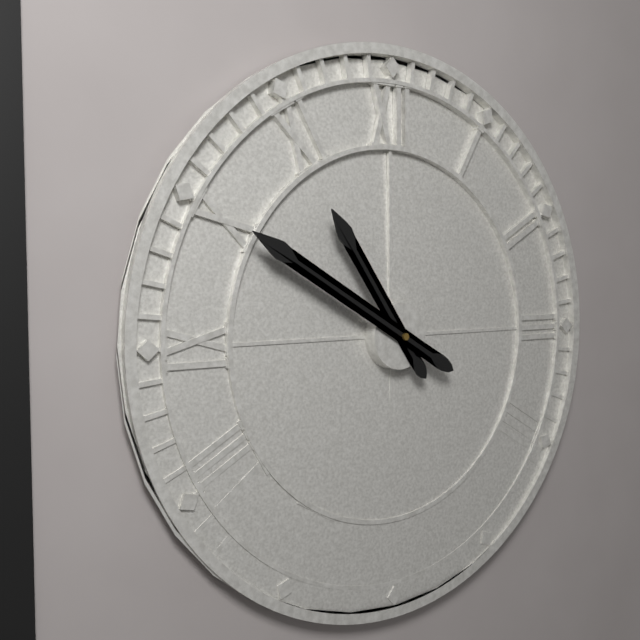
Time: {"hour": 10, "minute": 50}
